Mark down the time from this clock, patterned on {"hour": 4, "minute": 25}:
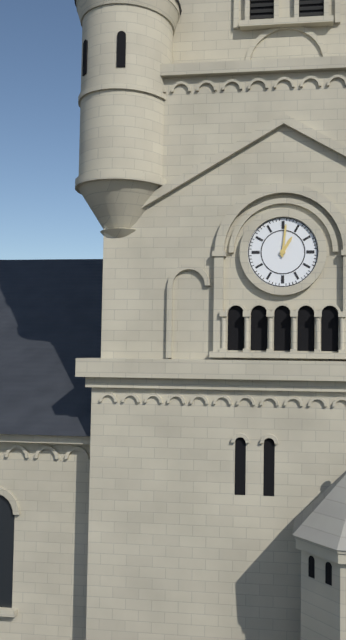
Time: {"hour": 1, "minute": 1}
